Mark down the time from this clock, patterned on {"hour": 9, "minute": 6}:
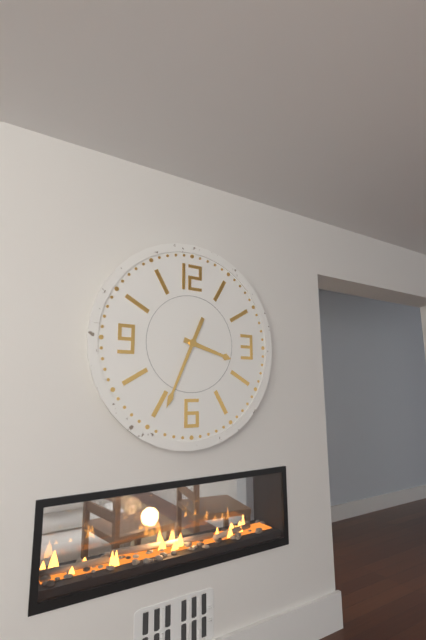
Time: {"hour": 3, "minute": 34}
